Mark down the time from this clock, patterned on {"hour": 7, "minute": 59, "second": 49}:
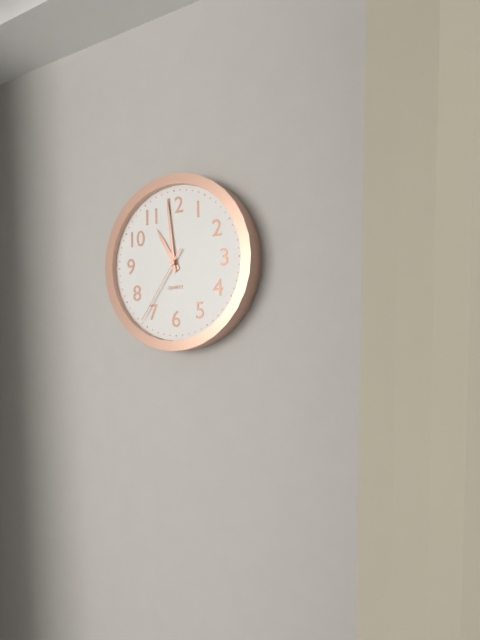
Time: {"hour": 10, "minute": 59, "second": 36}
